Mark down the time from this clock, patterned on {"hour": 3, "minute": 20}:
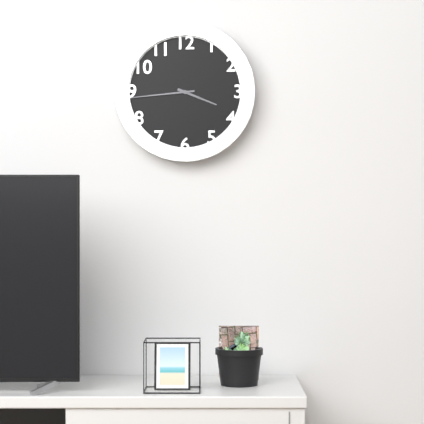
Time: {"hour": 3, "minute": 44}
